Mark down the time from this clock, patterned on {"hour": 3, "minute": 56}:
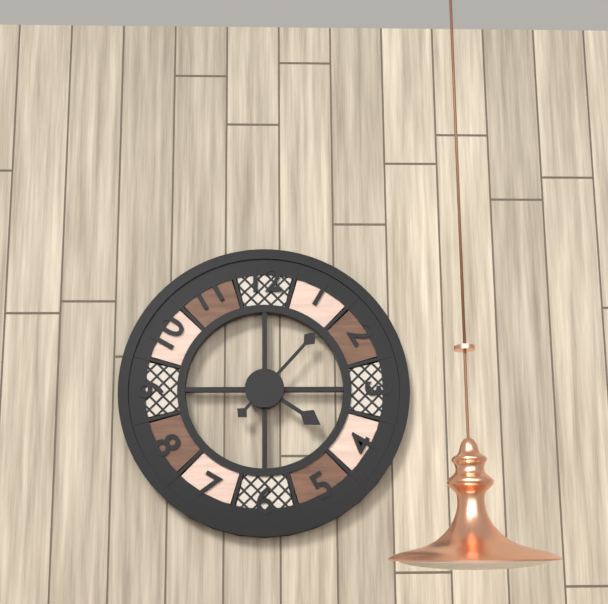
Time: {"hour": 4, "minute": 7}
